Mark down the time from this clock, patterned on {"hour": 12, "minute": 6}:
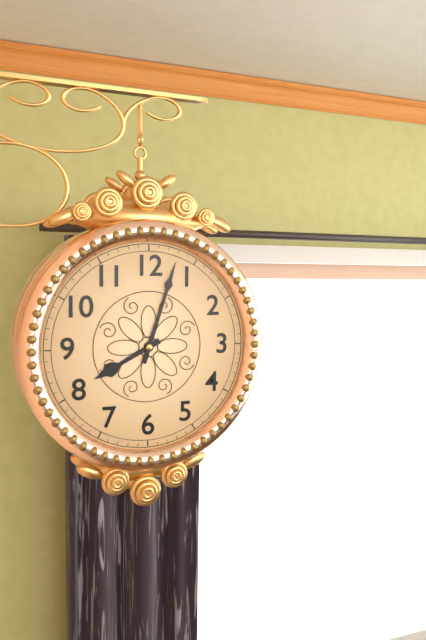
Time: {"hour": 8, "minute": 3}
